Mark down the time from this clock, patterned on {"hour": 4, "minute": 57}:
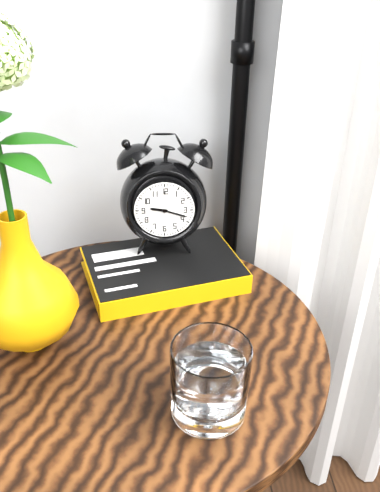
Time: {"hour": 9, "minute": 18}
